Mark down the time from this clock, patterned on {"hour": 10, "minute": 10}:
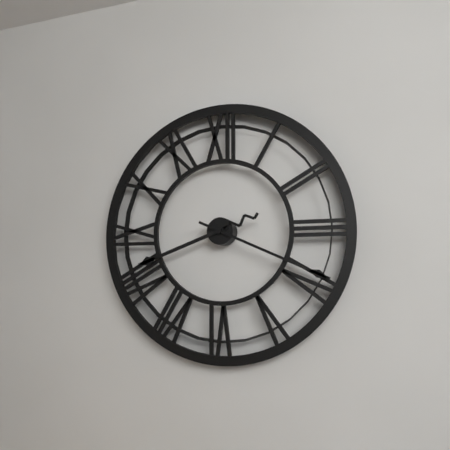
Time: {"hour": 8, "minute": 19}
